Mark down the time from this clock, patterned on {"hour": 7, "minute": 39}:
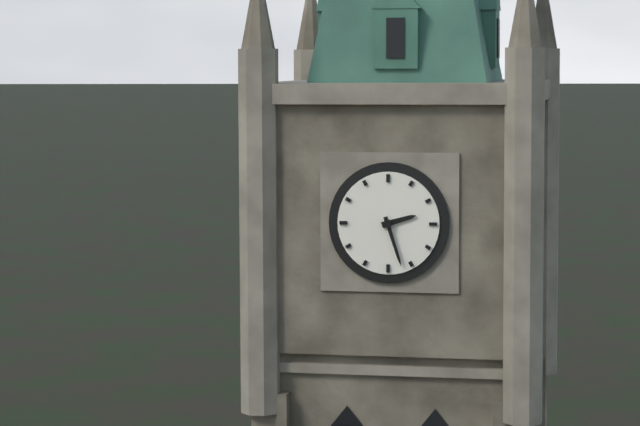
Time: {"hour": 2, "minute": 27}
